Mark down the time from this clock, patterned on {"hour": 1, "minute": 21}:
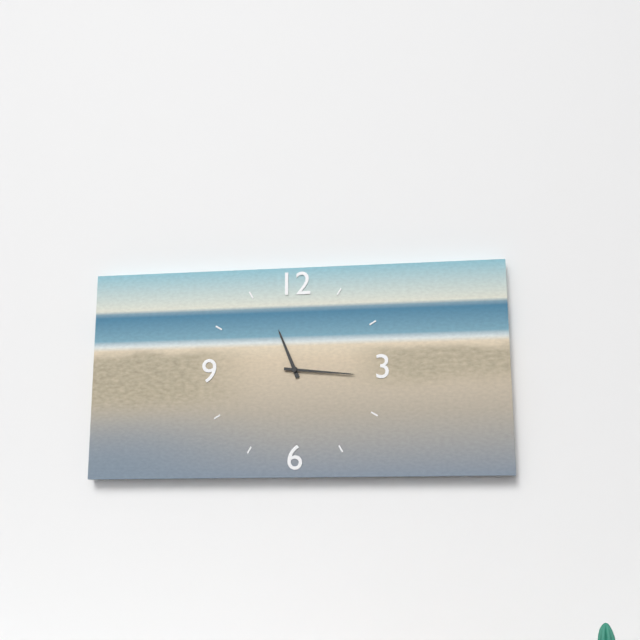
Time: {"hour": 11, "minute": 16}
